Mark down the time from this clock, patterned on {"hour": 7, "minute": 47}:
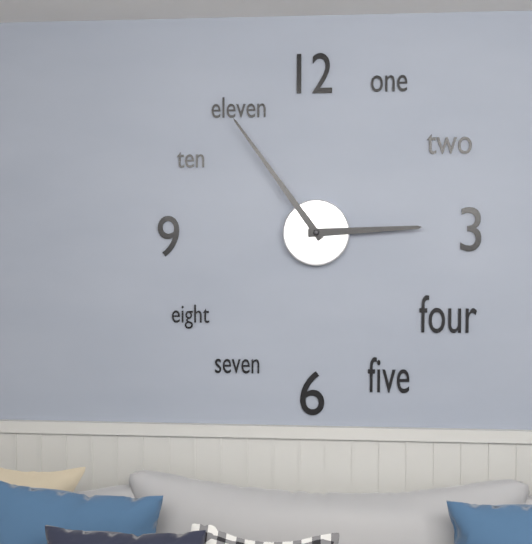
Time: {"hour": 2, "minute": 54}
